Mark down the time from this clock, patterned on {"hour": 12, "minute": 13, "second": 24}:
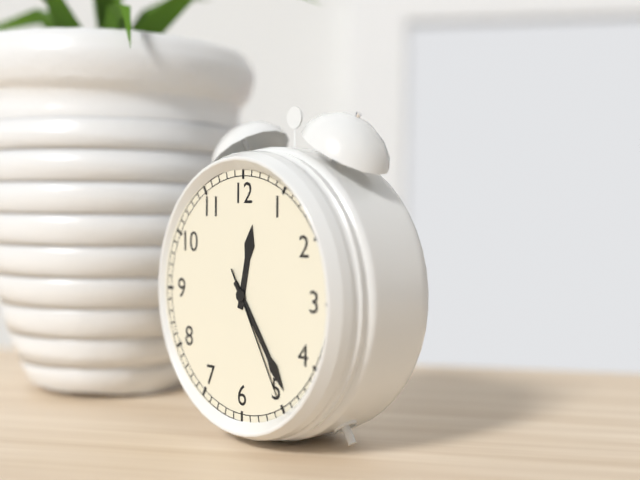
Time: {"hour": 12, "minute": 24, "second": 25}
